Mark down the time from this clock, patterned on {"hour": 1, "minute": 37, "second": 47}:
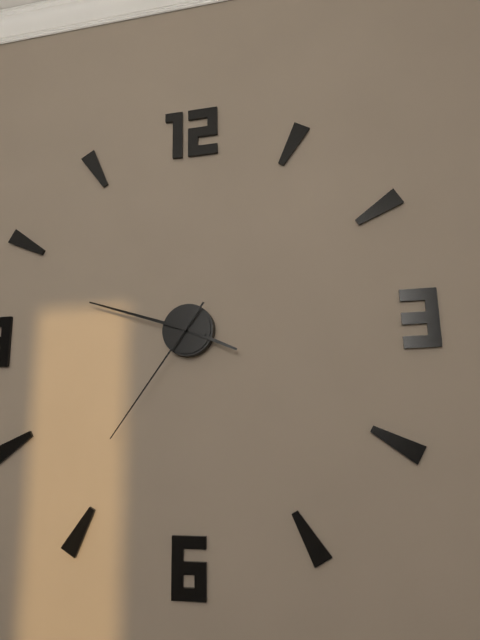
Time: {"hour": 3, "minute": 48, "second": 36}
